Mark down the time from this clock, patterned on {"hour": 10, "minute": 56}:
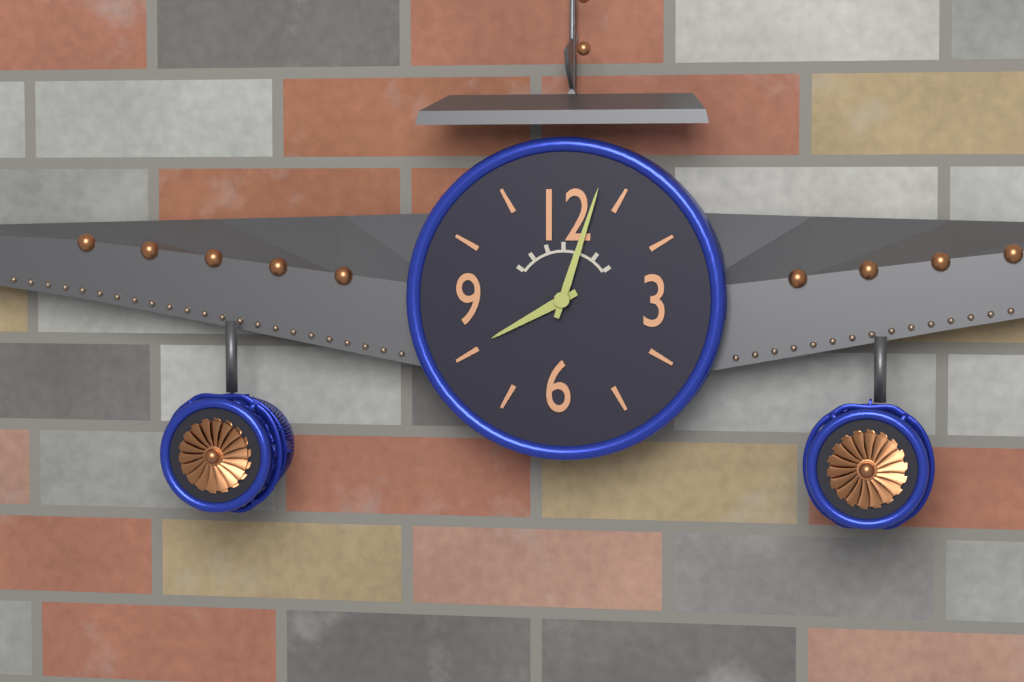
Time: {"hour": 8, "minute": 3}
